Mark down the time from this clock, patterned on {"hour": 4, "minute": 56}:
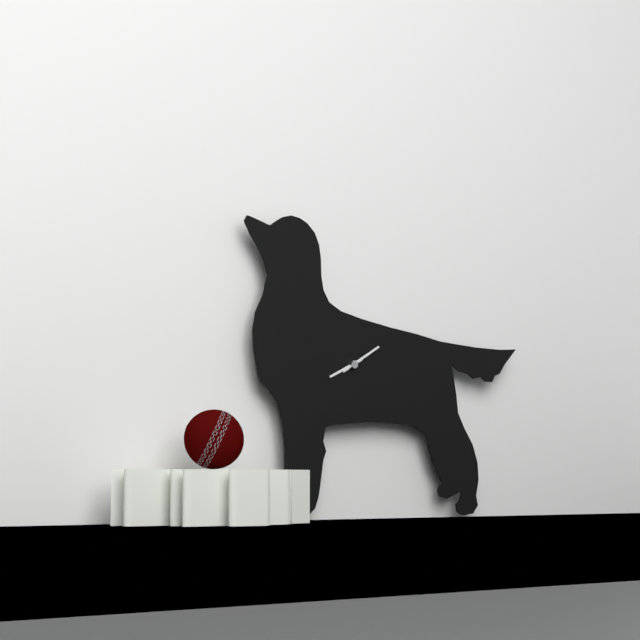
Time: {"hour": 8, "minute": 10}
